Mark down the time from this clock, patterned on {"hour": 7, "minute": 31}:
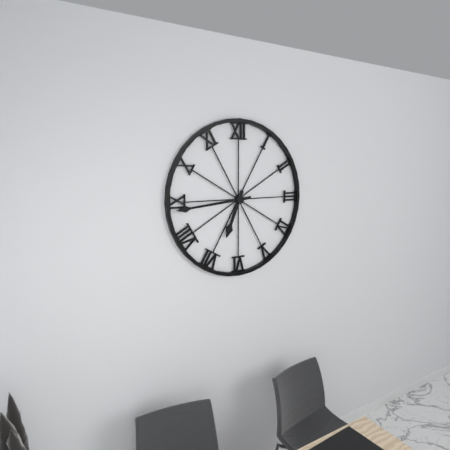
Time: {"hour": 6, "minute": 44}
